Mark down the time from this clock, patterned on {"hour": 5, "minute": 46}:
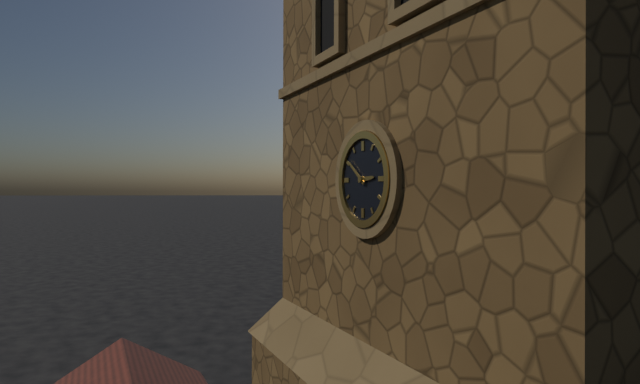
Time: {"hour": 2, "minute": 51}
